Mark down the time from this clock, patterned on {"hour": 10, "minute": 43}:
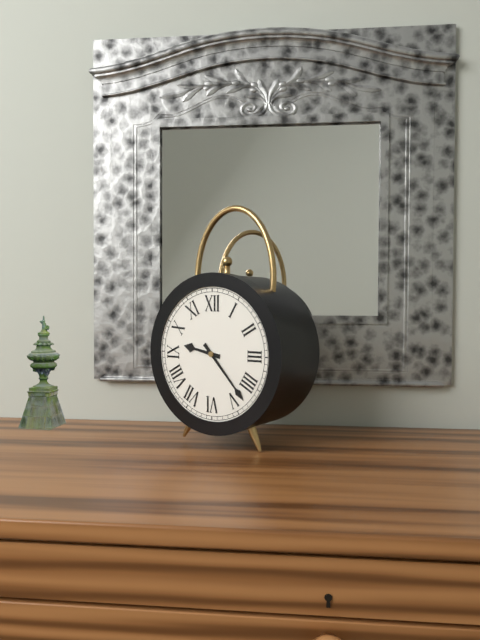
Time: {"hour": 9, "minute": 23}
